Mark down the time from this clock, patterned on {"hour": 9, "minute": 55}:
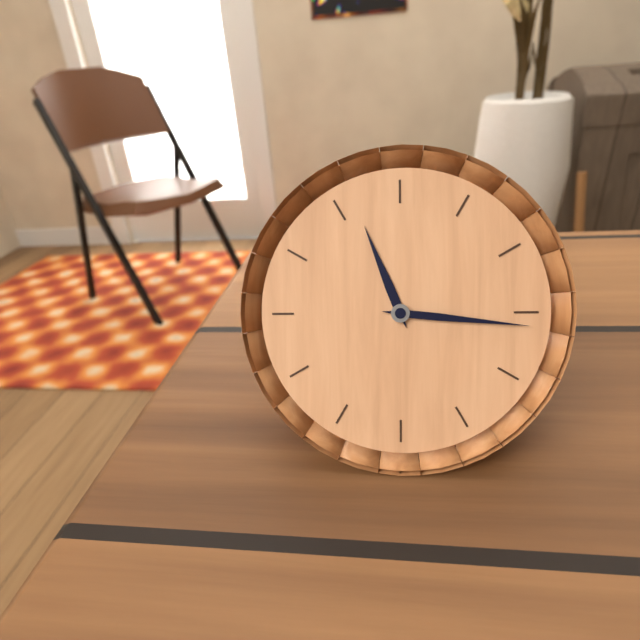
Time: {"hour": 11, "minute": 16}
